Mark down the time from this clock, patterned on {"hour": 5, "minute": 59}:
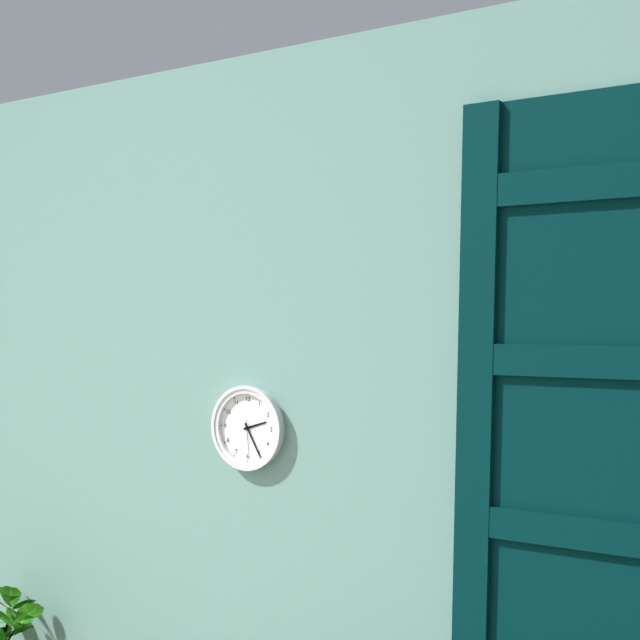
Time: {"hour": 2, "minute": 25}
